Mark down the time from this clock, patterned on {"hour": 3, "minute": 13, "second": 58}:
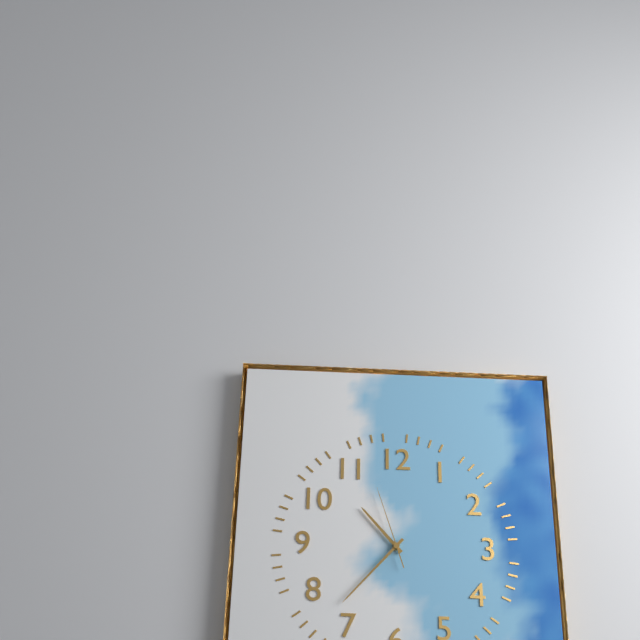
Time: {"hour": 10, "minute": 37, "second": 57}
